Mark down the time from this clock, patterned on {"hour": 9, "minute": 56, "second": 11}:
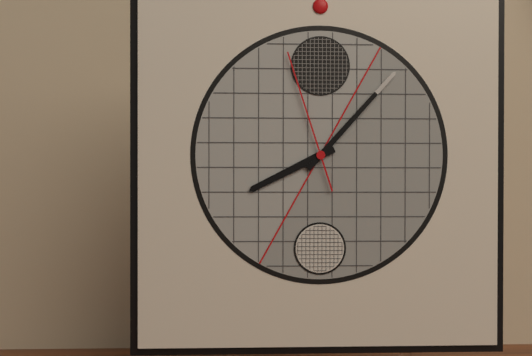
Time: {"hour": 8, "minute": 7, "second": 57}
